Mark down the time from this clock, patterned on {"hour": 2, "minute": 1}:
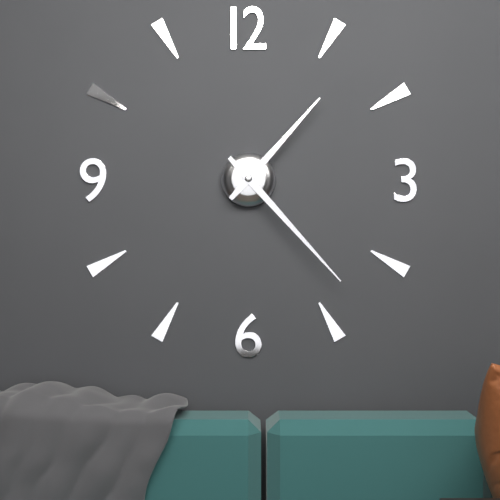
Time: {"hour": 1, "minute": 23}
